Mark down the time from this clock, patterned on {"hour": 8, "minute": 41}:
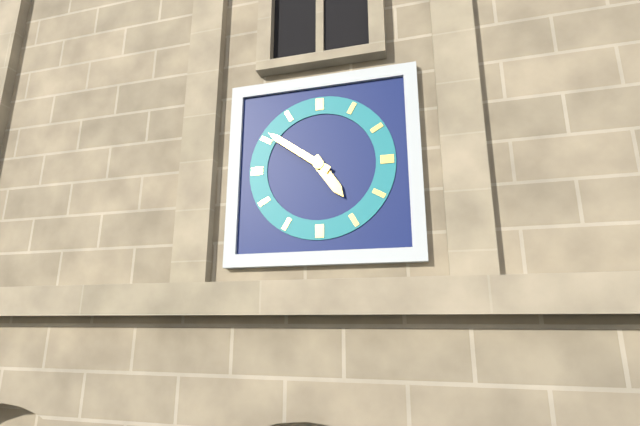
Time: {"hour": 4, "minute": 51}
